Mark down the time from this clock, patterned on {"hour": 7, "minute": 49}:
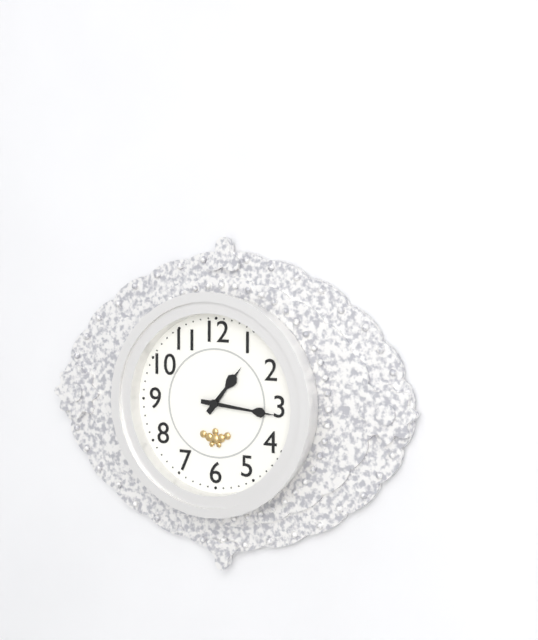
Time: {"hour": 1, "minute": 16}
